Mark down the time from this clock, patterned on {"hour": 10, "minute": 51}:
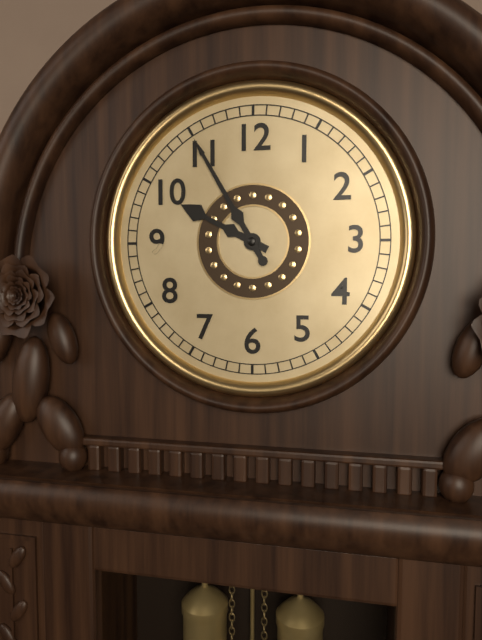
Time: {"hour": 9, "minute": 55}
